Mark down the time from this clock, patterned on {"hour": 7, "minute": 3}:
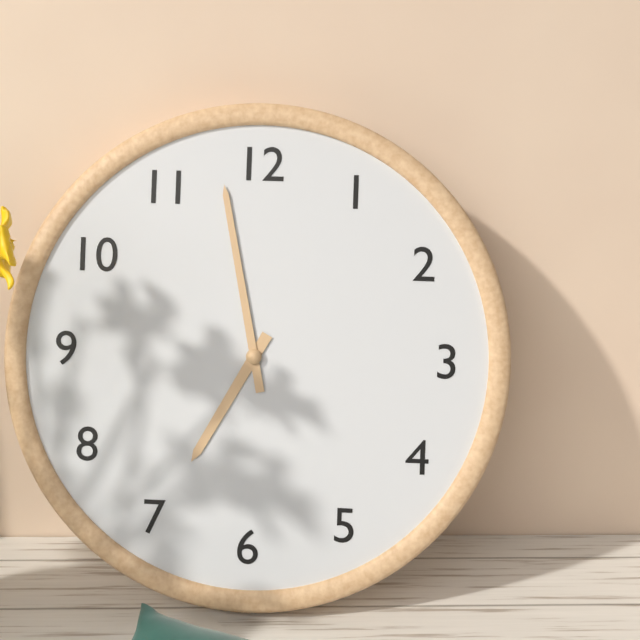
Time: {"hour": 6, "minute": 58}
